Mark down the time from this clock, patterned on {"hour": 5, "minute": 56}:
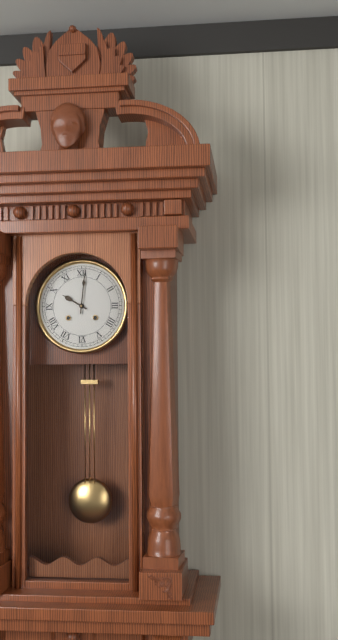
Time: {"hour": 10, "minute": 1}
